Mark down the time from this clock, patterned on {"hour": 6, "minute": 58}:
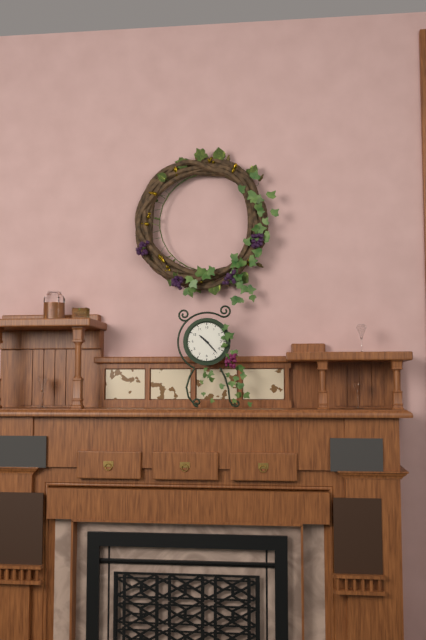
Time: {"hour": 10, "minute": 23}
